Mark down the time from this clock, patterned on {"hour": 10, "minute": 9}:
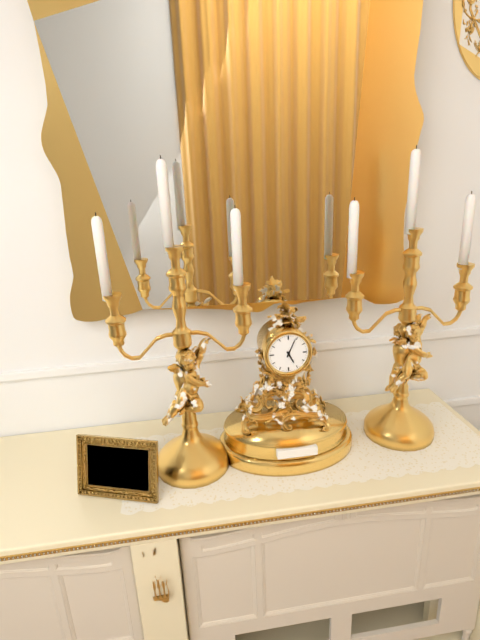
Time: {"hour": 5, "minute": 4}
